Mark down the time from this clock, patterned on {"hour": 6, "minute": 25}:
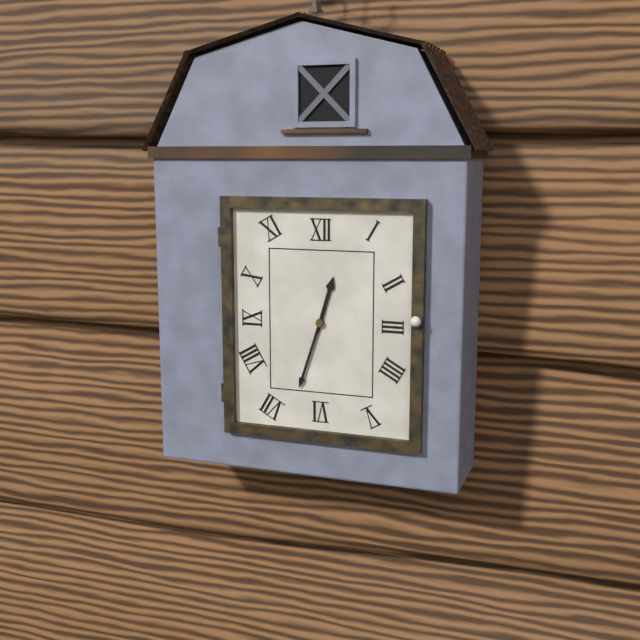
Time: {"hour": 12, "minute": 33}
